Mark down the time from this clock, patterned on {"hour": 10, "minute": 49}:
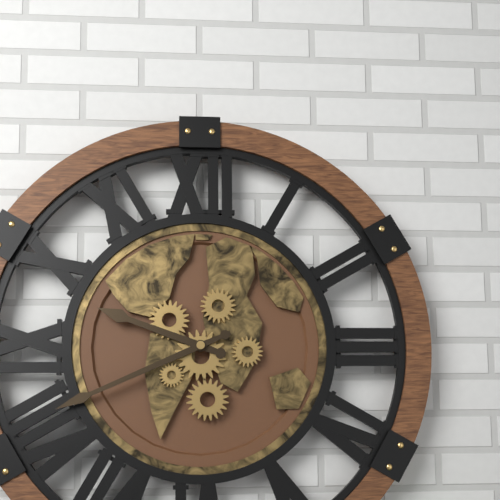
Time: {"hour": 9, "minute": 41}
